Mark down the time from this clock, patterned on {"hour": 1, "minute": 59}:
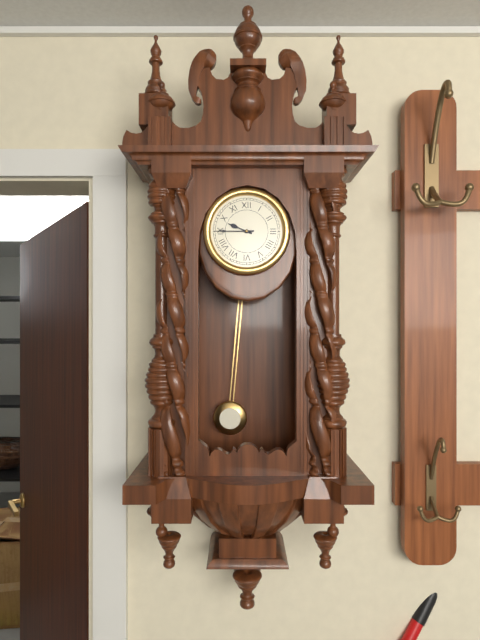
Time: {"hour": 9, "minute": 45}
